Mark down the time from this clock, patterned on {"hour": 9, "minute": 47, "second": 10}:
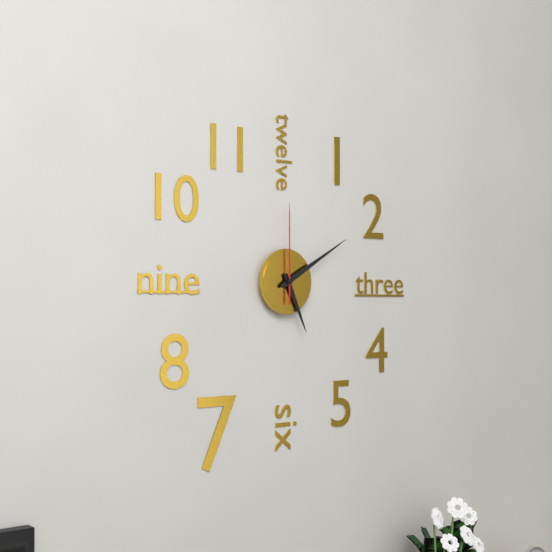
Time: {"hour": 5, "minute": 10, "second": 0}
